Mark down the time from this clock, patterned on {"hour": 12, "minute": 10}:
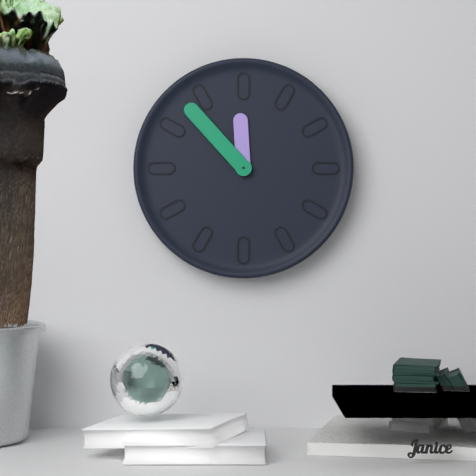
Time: {"hour": 11, "minute": 53}
